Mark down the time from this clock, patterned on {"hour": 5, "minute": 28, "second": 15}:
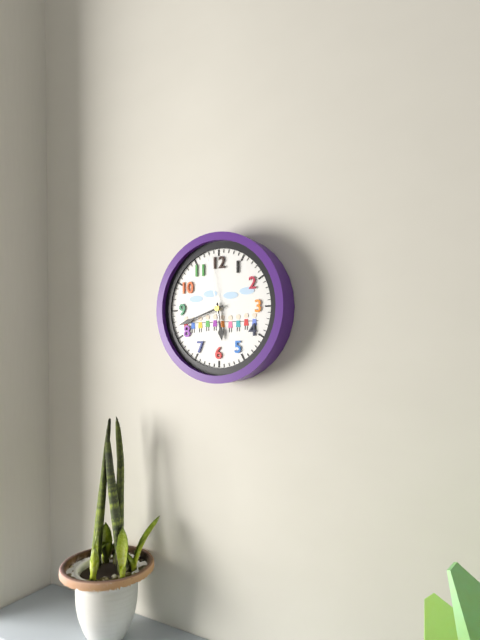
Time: {"hour": 5, "minute": 42, "second": 58}
